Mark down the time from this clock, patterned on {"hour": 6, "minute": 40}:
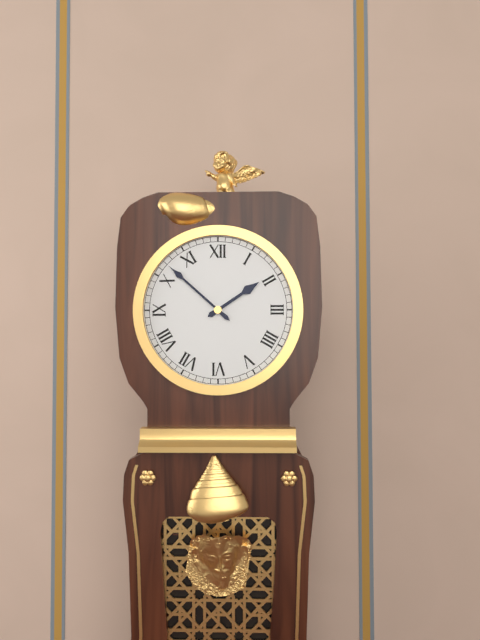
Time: {"hour": 1, "minute": 52}
